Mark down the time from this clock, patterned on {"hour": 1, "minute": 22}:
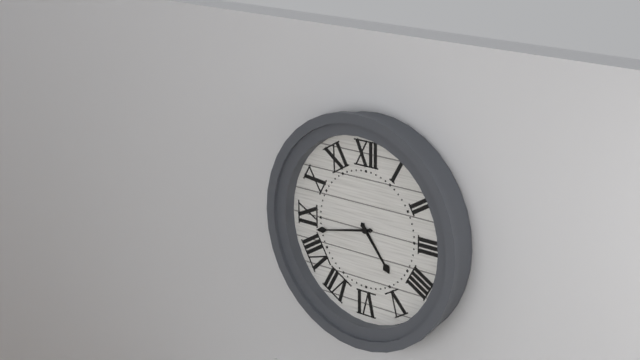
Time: {"hour": 4, "minute": 43}
